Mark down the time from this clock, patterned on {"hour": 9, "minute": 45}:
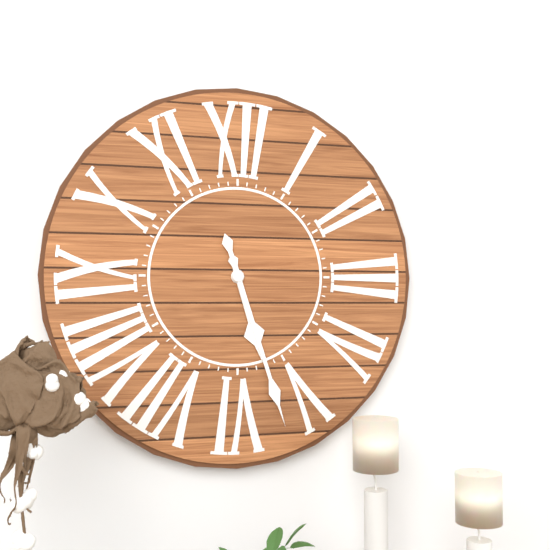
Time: {"hour": 5, "minute": 27}
